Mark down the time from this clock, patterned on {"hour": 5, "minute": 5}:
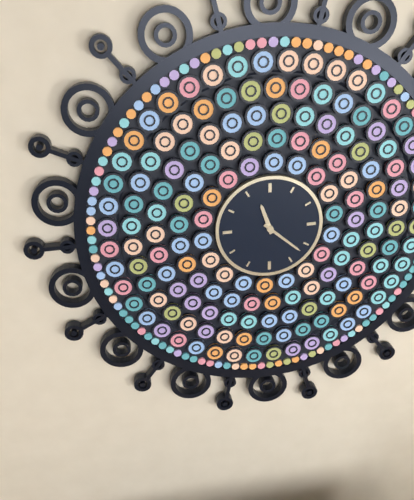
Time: {"hour": 11, "minute": 22}
